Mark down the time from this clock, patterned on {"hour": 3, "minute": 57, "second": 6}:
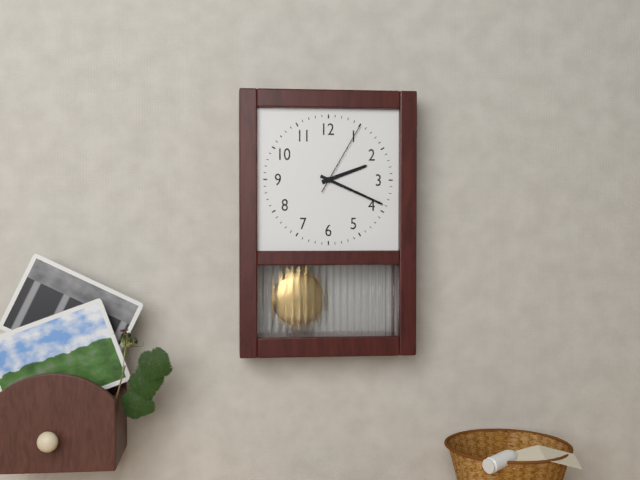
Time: {"hour": 2, "minute": 19, "second": 5}
